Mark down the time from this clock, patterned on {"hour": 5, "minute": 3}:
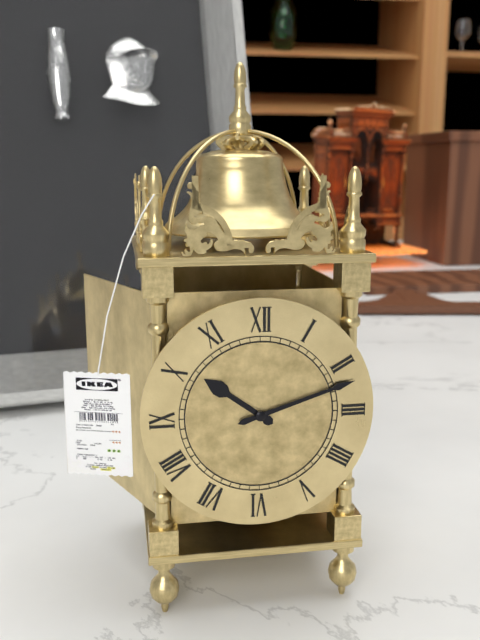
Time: {"hour": 10, "minute": 12}
